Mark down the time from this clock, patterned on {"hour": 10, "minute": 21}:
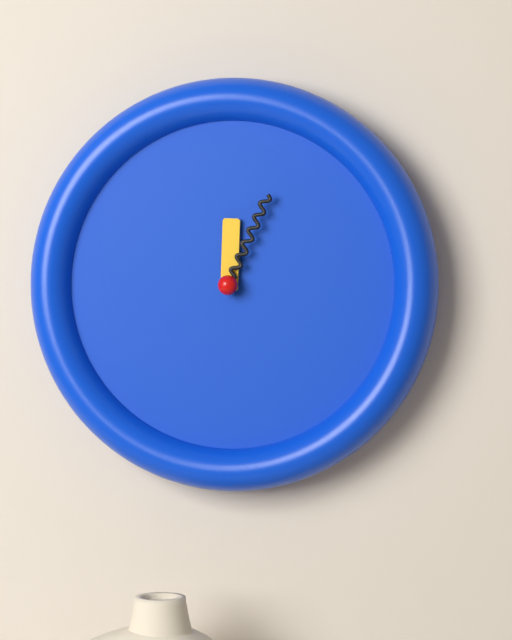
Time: {"hour": 12, "minute": 4}
